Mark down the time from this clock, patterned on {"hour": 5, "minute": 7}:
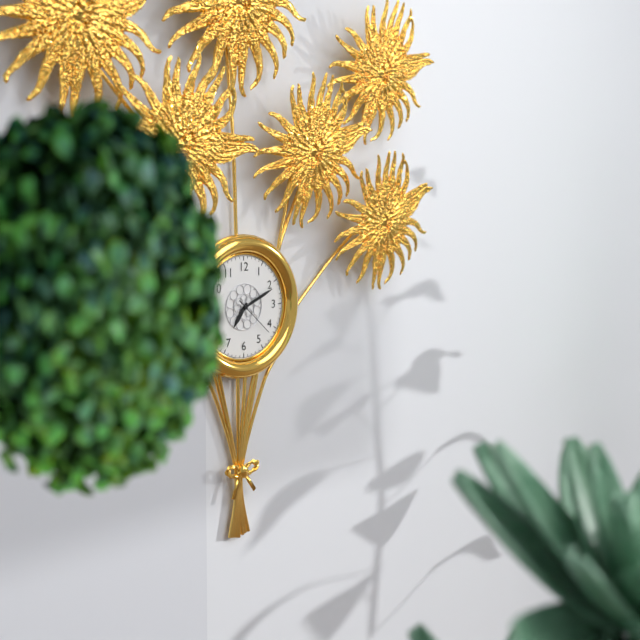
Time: {"hour": 7, "minute": 11}
